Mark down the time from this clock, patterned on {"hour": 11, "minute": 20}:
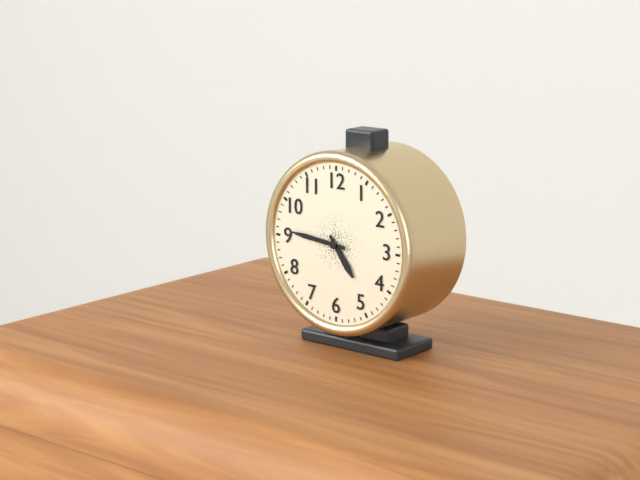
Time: {"hour": 4, "minute": 46}
